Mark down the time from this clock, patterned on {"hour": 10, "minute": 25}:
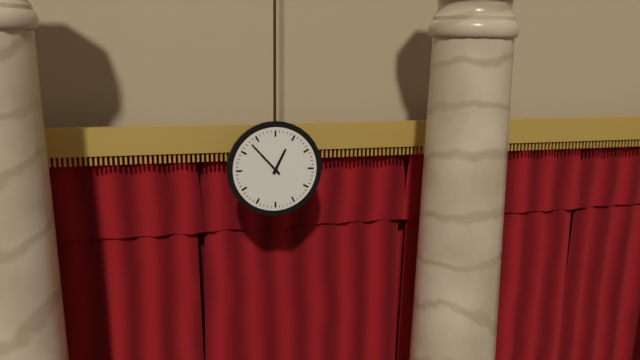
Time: {"hour": 12, "minute": 53}
